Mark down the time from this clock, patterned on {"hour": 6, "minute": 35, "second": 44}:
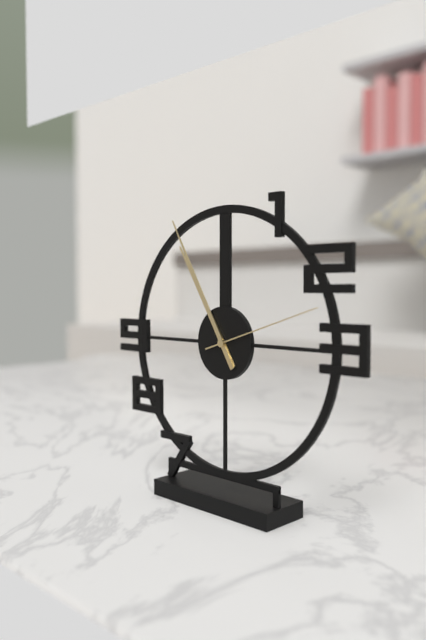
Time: {"hour": 10, "minute": 55, "second": 12}
